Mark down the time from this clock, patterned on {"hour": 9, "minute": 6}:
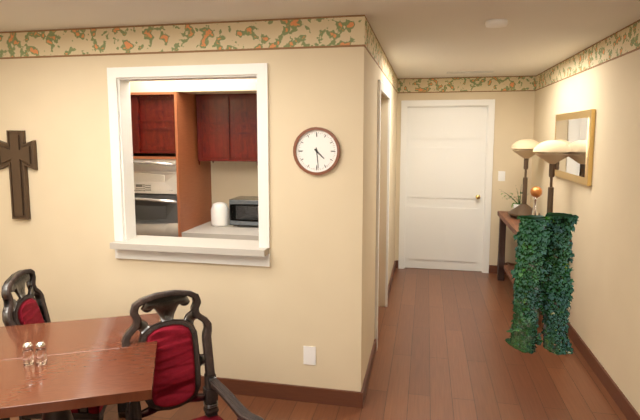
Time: {"hour": 4, "minute": 29}
